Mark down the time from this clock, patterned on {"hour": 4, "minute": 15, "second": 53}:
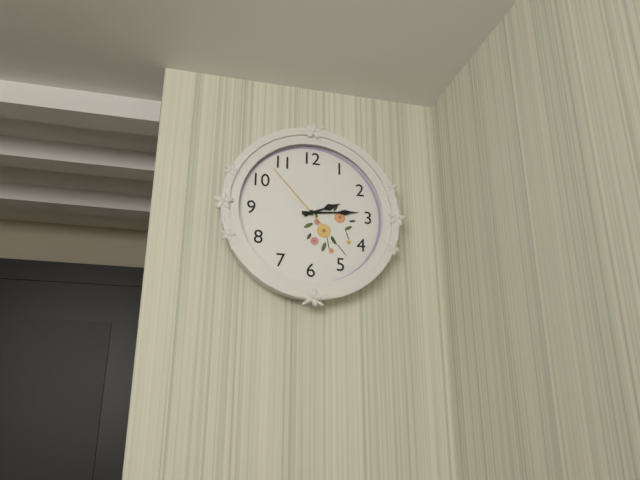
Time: {"hour": 2, "minute": 14, "second": 53}
